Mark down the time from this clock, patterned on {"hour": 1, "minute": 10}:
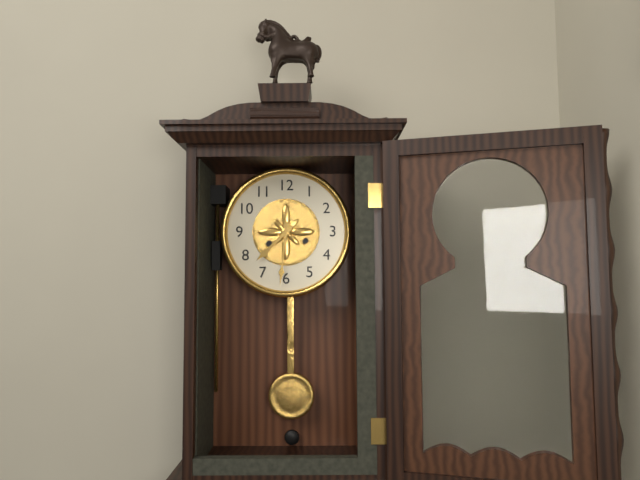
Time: {"hour": 7, "minute": 31}
